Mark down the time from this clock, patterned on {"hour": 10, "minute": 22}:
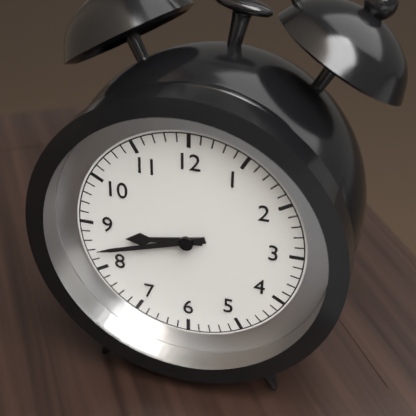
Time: {"hour": 8, "minute": 42}
